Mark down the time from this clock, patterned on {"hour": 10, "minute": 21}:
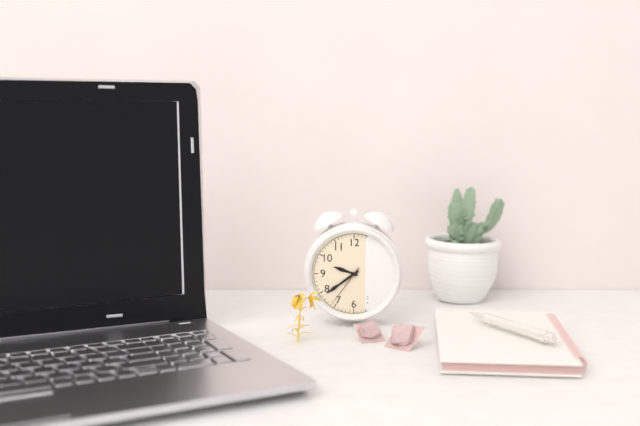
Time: {"hour": 9, "minute": 39}
